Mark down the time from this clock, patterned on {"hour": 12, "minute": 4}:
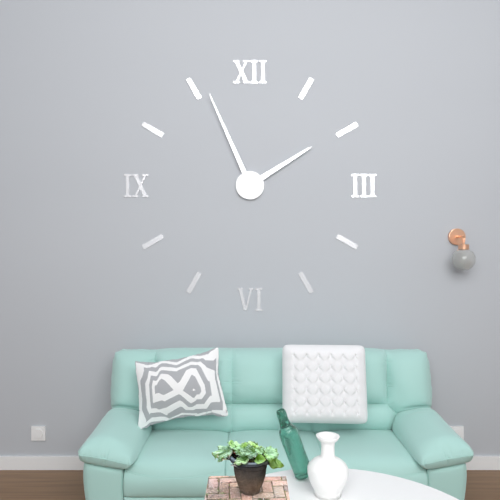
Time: {"hour": 1, "minute": 56}
